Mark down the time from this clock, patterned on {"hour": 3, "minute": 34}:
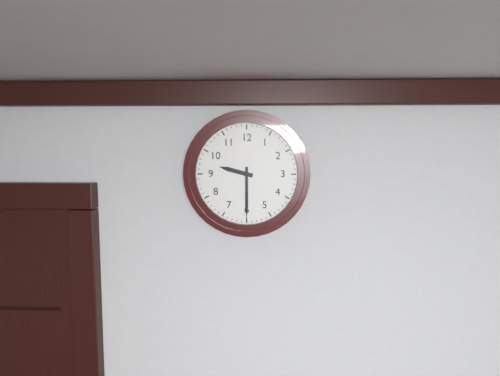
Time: {"hour": 9, "minute": 30}
